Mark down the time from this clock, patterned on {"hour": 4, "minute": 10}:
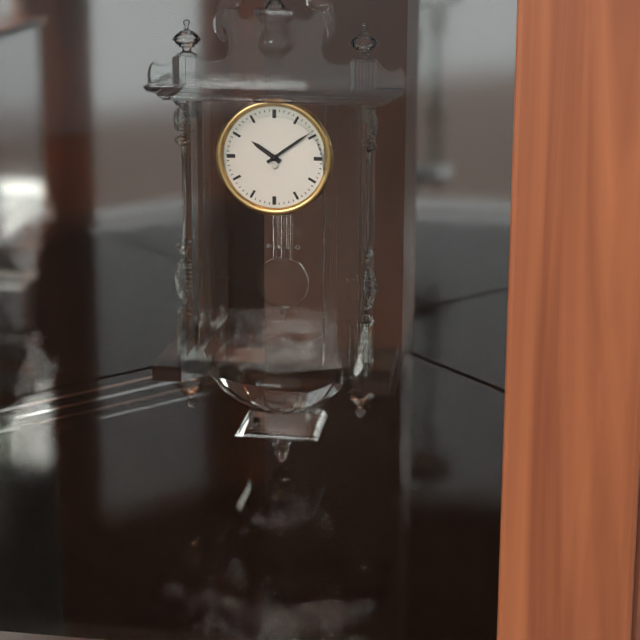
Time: {"hour": 10, "minute": 9}
